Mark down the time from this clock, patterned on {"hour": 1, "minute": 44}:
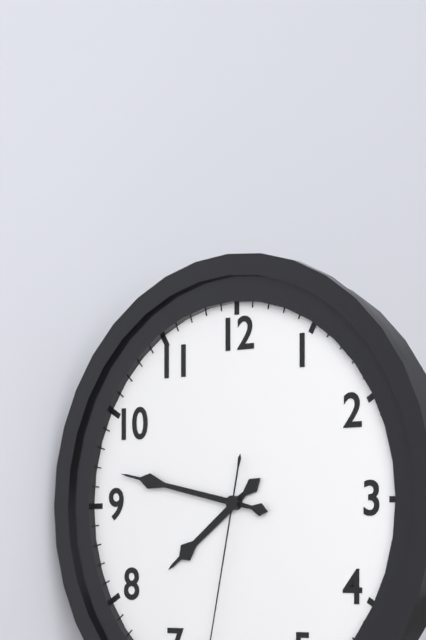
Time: {"hour": 7, "minute": 47}
